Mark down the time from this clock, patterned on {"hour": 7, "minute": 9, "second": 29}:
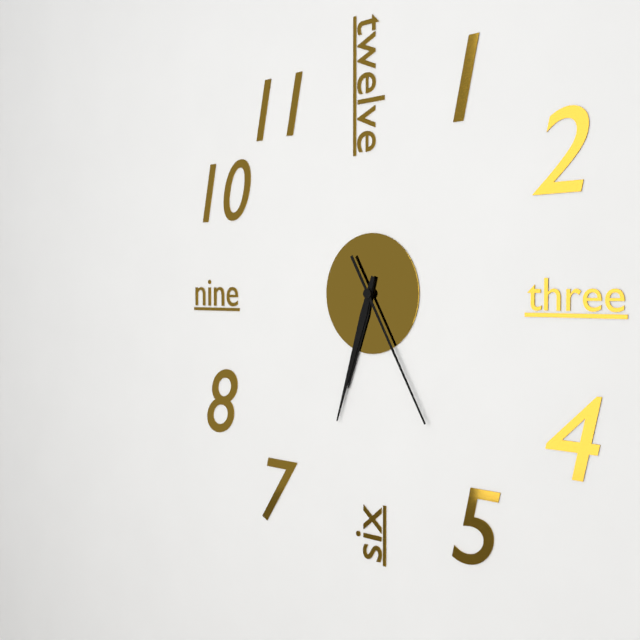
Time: {"hour": 6, "minute": 33, "second": 25}
